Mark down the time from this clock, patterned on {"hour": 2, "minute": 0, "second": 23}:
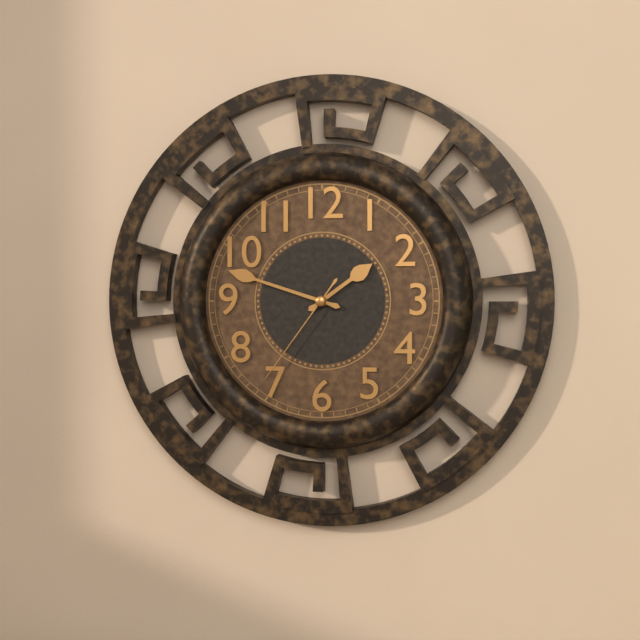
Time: {"hour": 1, "minute": 48, "second": 36}
